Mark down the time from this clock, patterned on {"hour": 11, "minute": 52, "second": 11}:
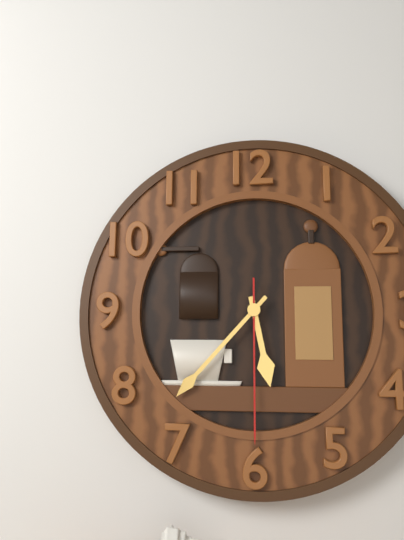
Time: {"hour": 5, "minute": 37, "second": 30}
